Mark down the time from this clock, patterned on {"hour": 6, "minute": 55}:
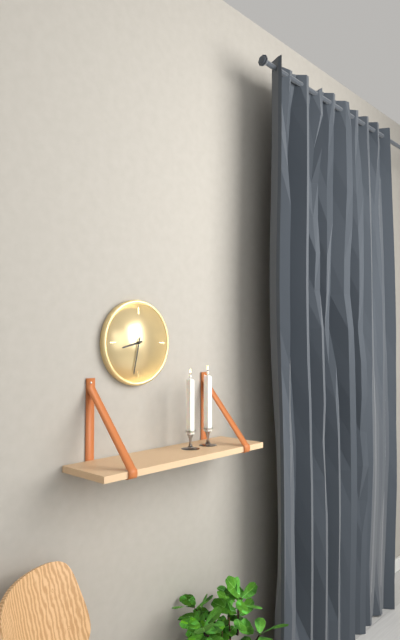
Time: {"hour": 8, "minute": 32}
